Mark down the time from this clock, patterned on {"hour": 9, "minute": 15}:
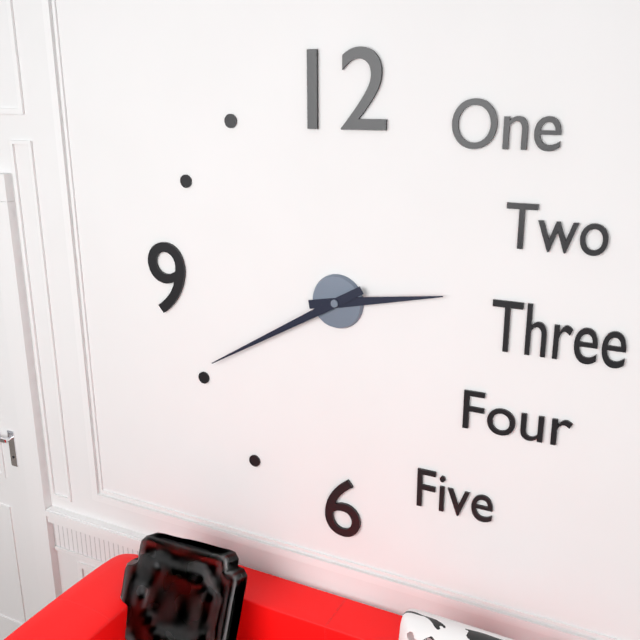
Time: {"hour": 2, "minute": 40}
